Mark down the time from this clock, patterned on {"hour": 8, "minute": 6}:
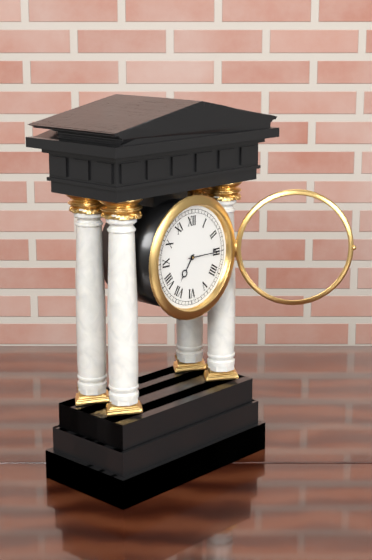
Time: {"hour": 7, "minute": 15}
